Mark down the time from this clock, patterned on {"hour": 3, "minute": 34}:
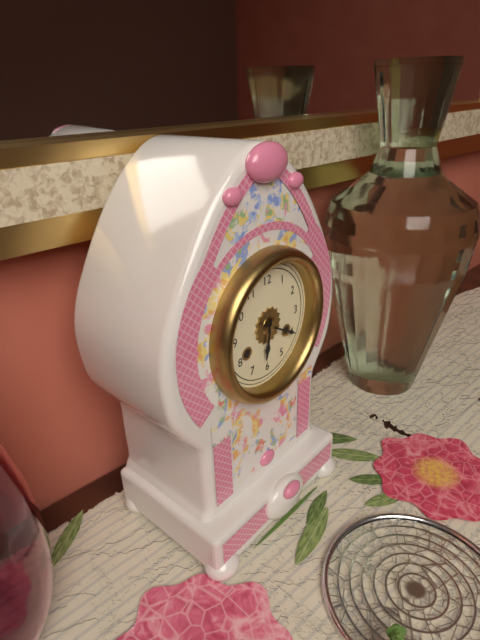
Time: {"hour": 6, "minute": 20}
